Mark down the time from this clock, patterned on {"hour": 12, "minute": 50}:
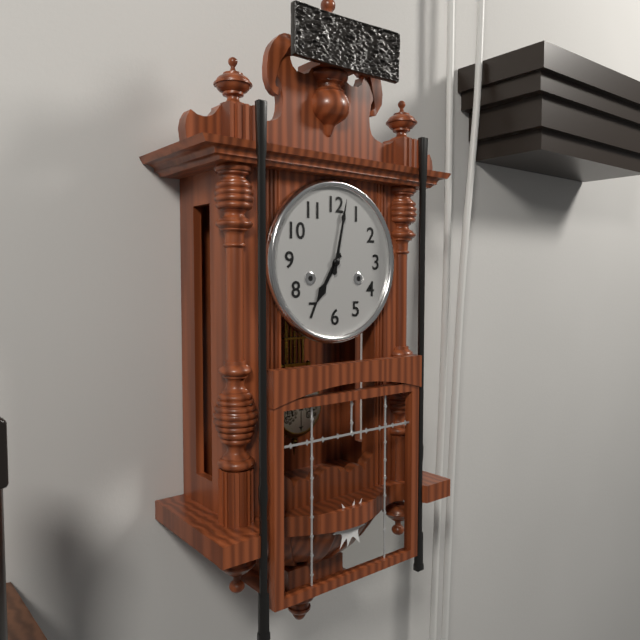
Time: {"hour": 7, "minute": 2}
